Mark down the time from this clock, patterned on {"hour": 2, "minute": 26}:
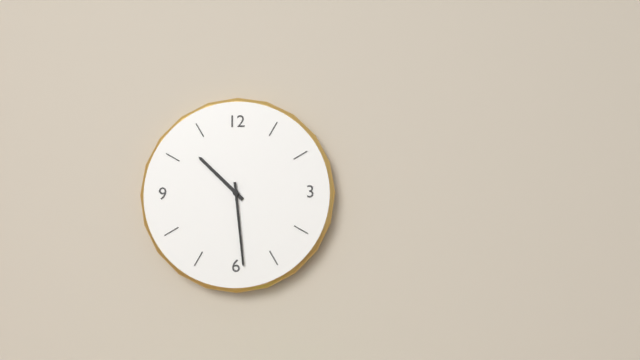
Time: {"hour": 10, "minute": 29}
